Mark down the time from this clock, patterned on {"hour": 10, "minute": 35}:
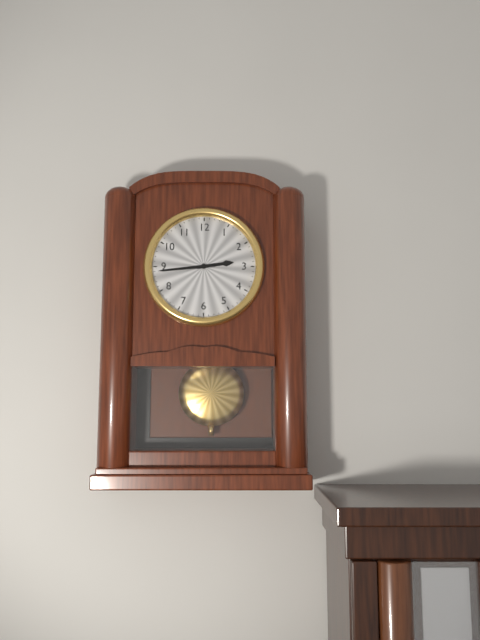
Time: {"hour": 2, "minute": 44}
